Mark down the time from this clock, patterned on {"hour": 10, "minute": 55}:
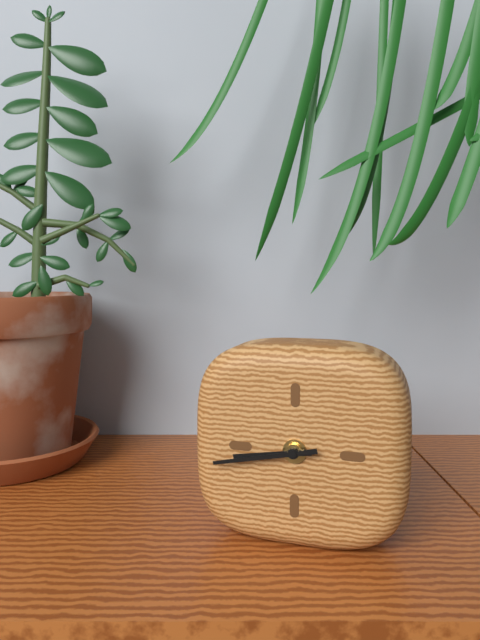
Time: {"hour": 8, "minute": 43}
